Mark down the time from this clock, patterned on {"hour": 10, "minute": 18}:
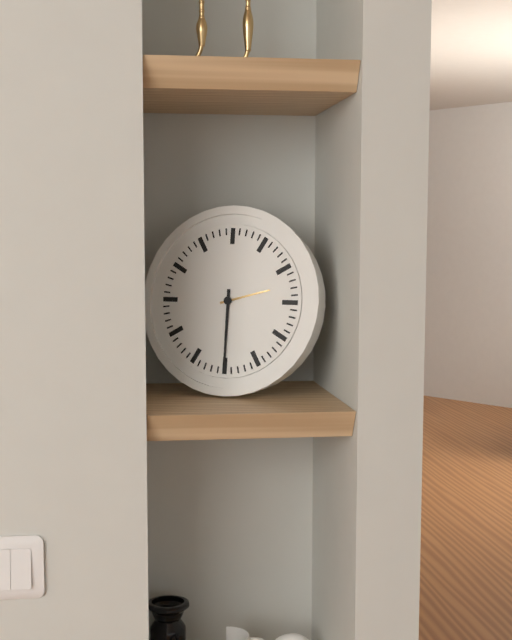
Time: {"hour": 2, "minute": 30}
